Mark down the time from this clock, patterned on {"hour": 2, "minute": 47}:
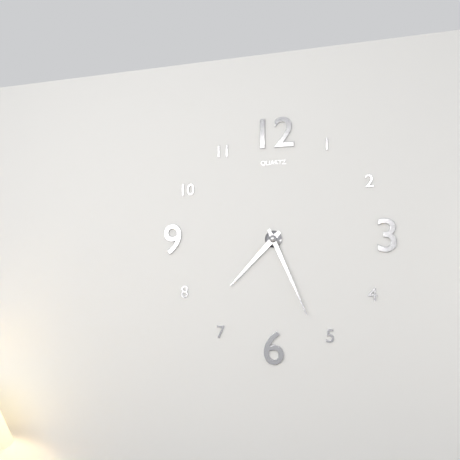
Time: {"hour": 7, "minute": 26}
